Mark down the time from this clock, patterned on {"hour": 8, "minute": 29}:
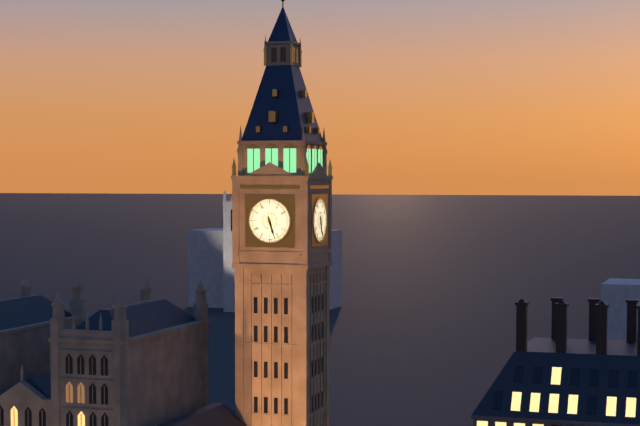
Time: {"hour": 5, "minute": 27}
